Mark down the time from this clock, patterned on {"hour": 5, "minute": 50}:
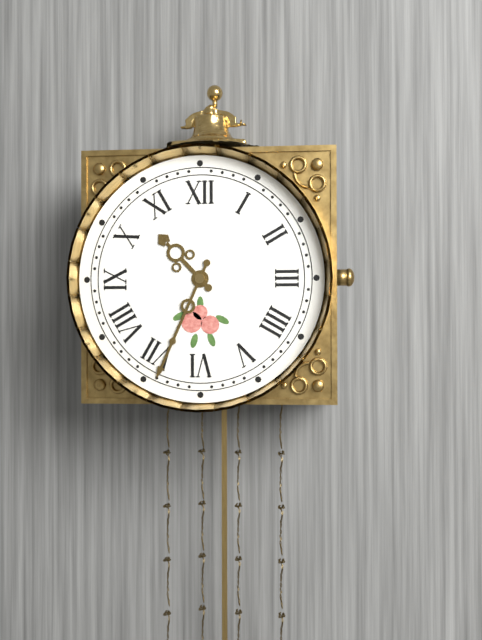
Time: {"hour": 10, "minute": 34}
